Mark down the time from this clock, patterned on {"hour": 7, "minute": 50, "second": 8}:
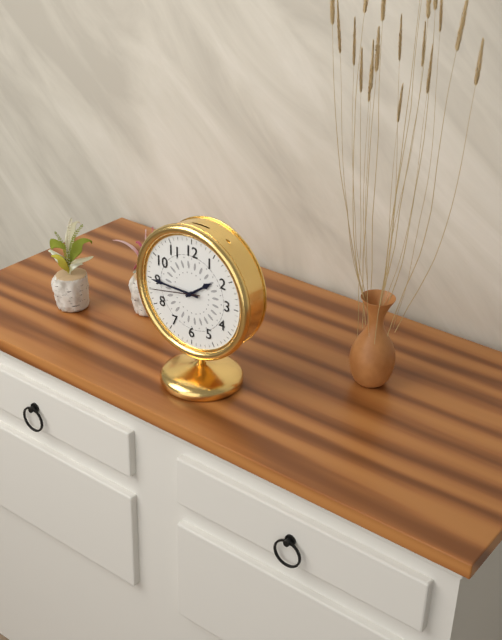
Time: {"hour": 1, "minute": 45, "second": 43}
